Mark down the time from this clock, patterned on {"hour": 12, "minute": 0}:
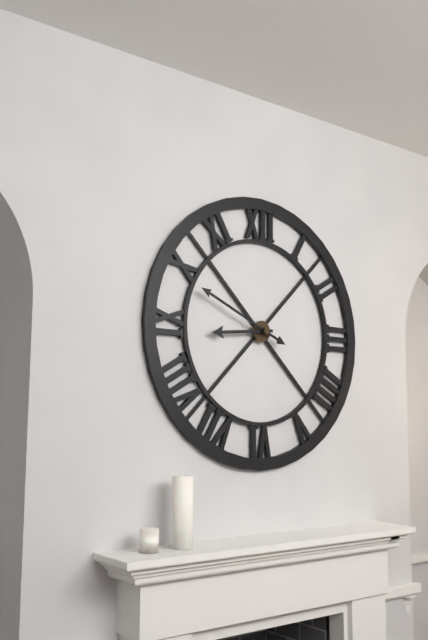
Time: {"hour": 8, "minute": 49}
